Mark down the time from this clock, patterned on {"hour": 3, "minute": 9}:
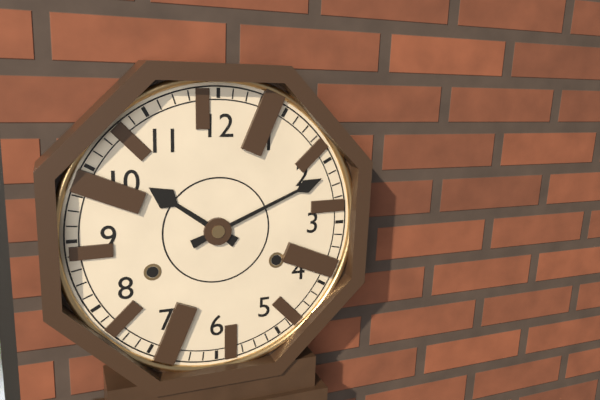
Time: {"hour": 10, "minute": 11}
